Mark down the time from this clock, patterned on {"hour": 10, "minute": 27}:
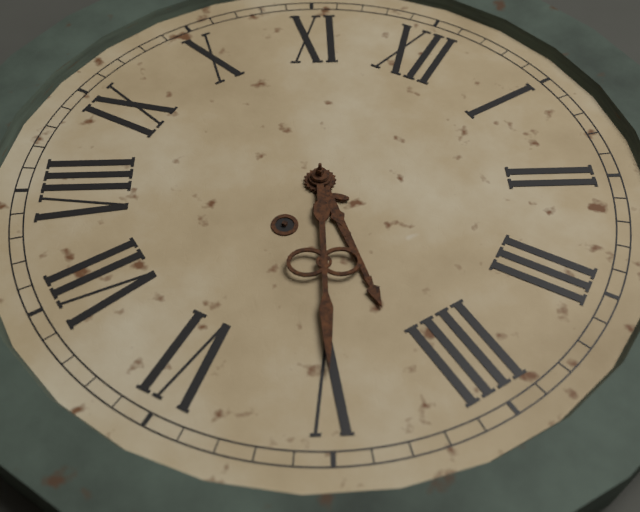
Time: {"hour": 4, "minute": 25}
